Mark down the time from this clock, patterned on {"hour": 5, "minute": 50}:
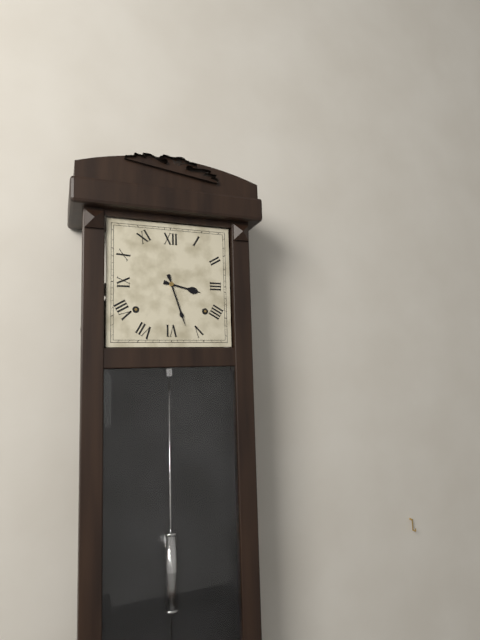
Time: {"hour": 3, "minute": 27}
